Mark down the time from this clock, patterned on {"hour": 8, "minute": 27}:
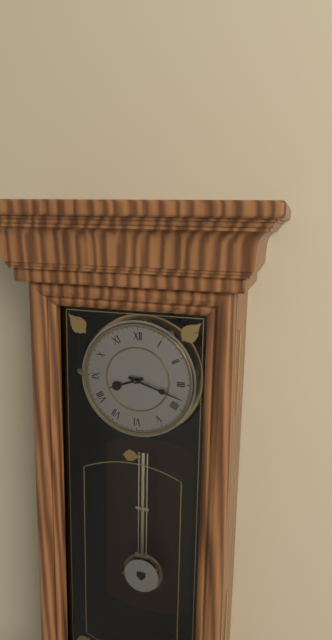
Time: {"hour": 8, "minute": 18}
